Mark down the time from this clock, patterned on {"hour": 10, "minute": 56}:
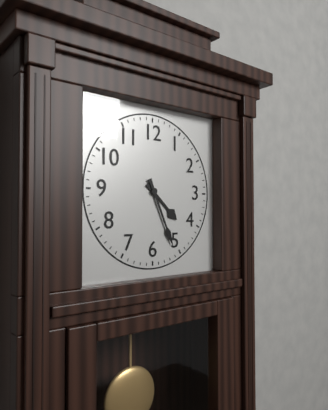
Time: {"hour": 4, "minute": 26}
